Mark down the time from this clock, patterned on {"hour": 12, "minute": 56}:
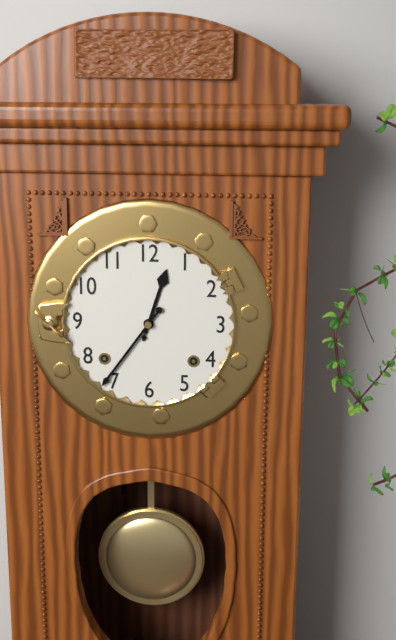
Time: {"hour": 12, "minute": 36}
